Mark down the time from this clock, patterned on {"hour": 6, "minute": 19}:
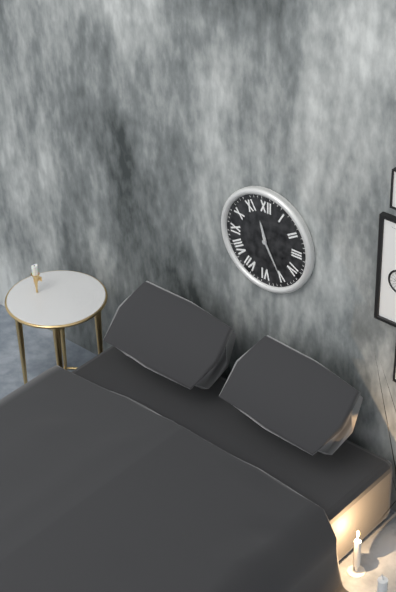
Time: {"hour": 11, "minute": 25}
